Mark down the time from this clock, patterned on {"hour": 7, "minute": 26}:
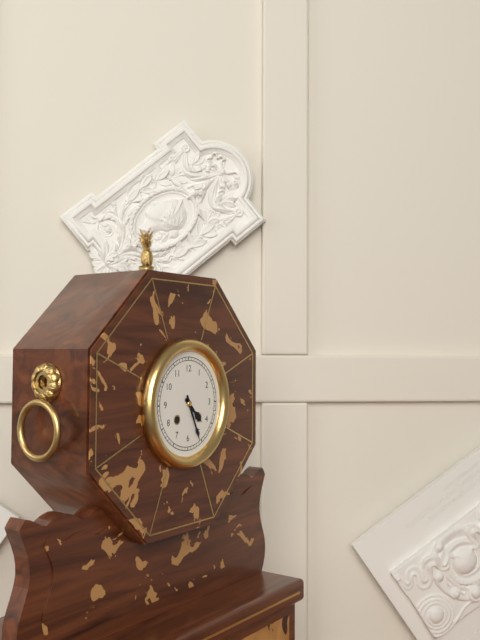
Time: {"hour": 4, "minute": 26}
